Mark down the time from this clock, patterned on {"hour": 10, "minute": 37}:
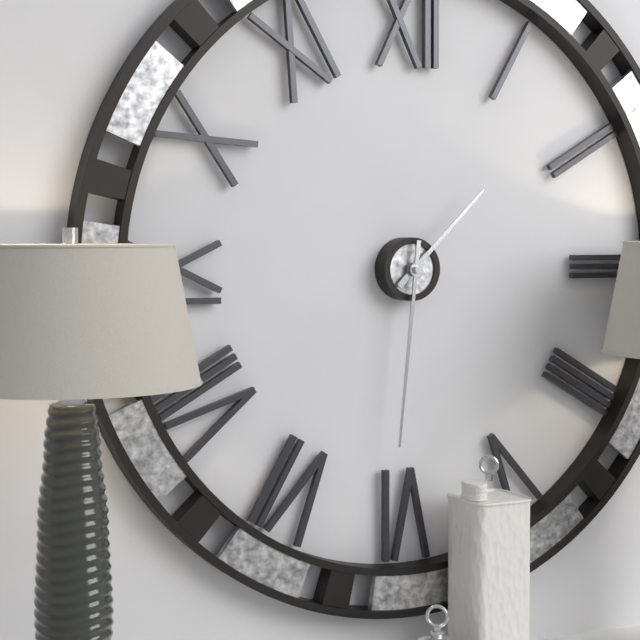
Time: {"hour": 1, "minute": 31}
